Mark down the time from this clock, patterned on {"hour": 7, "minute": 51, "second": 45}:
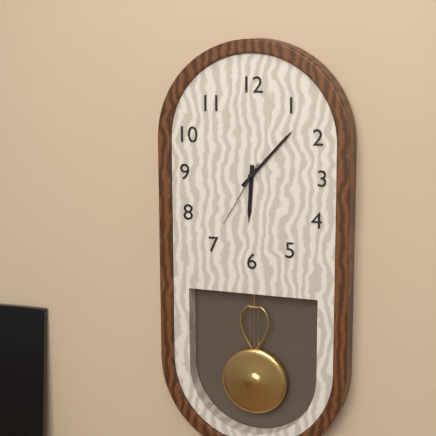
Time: {"hour": 6, "minute": 7, "second": 35}
